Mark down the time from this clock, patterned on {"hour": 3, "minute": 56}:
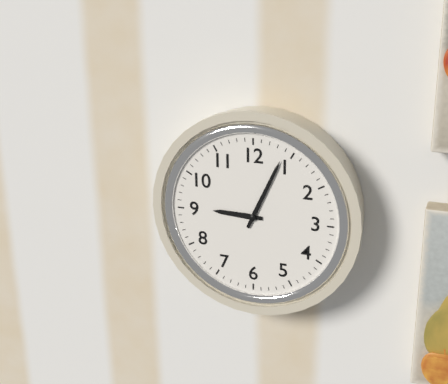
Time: {"hour": 9, "minute": 4}
